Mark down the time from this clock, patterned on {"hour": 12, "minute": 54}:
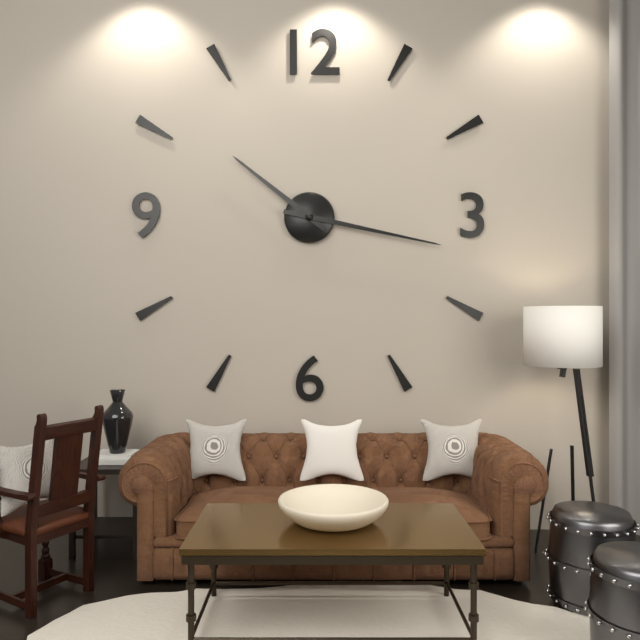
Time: {"hour": 10, "minute": 17}
